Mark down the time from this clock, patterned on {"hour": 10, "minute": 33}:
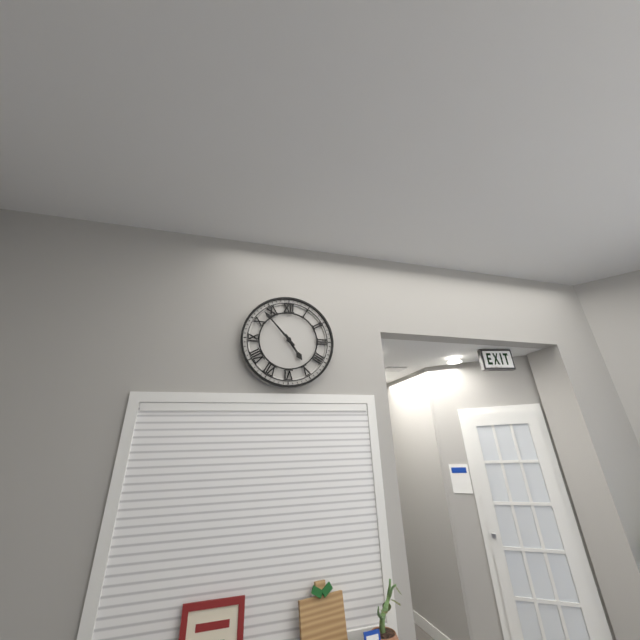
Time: {"hour": 4, "minute": 53}
